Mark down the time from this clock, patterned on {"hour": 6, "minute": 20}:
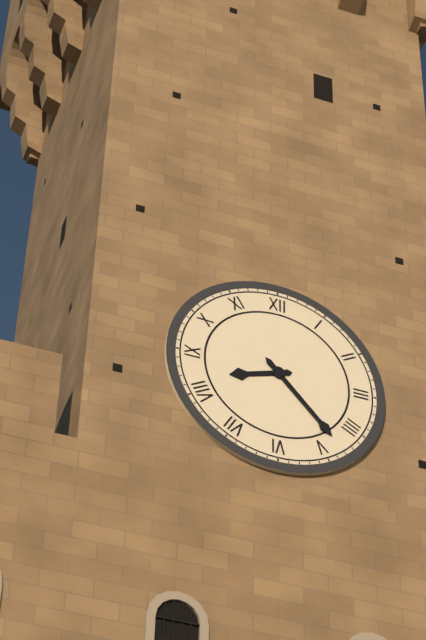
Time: {"hour": 8, "minute": 23}
